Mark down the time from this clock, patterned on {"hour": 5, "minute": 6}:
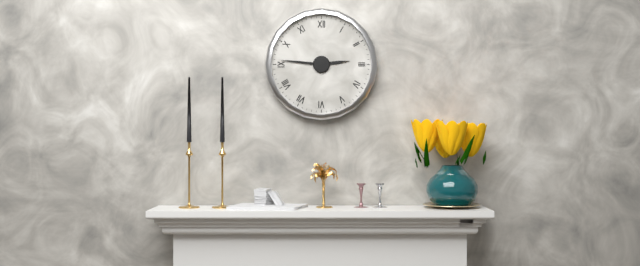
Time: {"hour": 2, "minute": 46}
